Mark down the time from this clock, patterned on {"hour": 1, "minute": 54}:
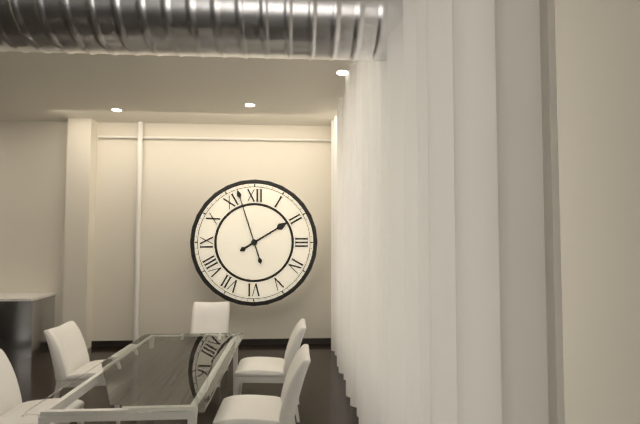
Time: {"hour": 1, "minute": 57}
